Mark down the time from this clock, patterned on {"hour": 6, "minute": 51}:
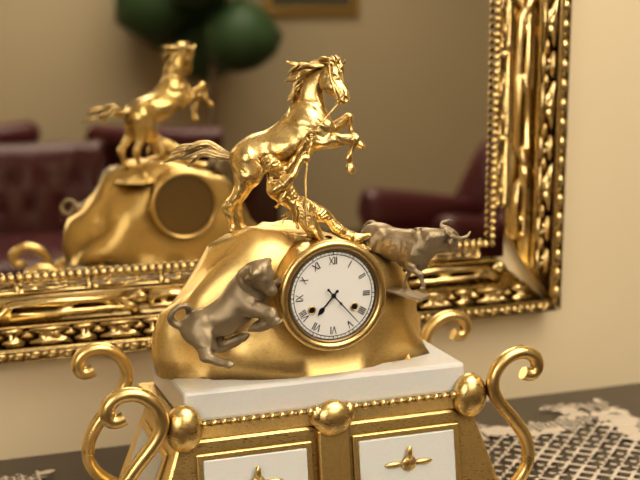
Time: {"hour": 7, "minute": 23}
